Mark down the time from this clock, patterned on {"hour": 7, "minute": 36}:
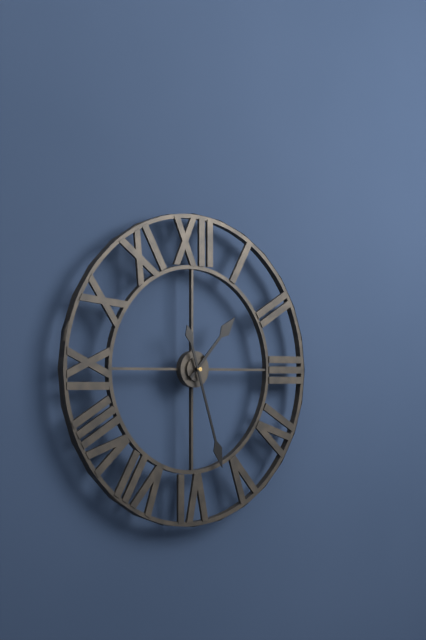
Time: {"hour": 1, "minute": 27}
